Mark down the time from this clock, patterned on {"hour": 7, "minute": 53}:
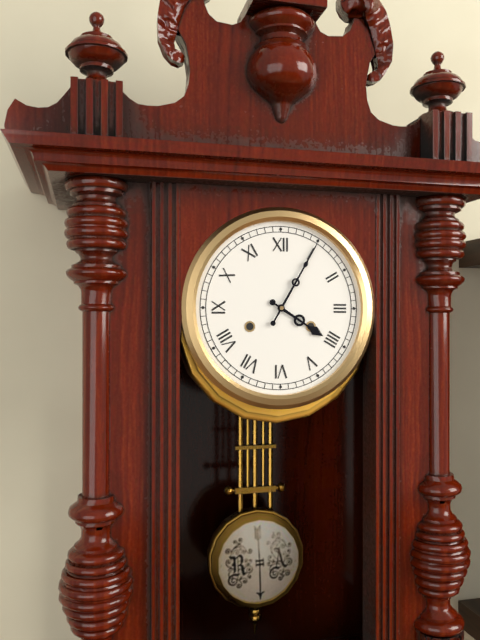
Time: {"hour": 4, "minute": 5}
